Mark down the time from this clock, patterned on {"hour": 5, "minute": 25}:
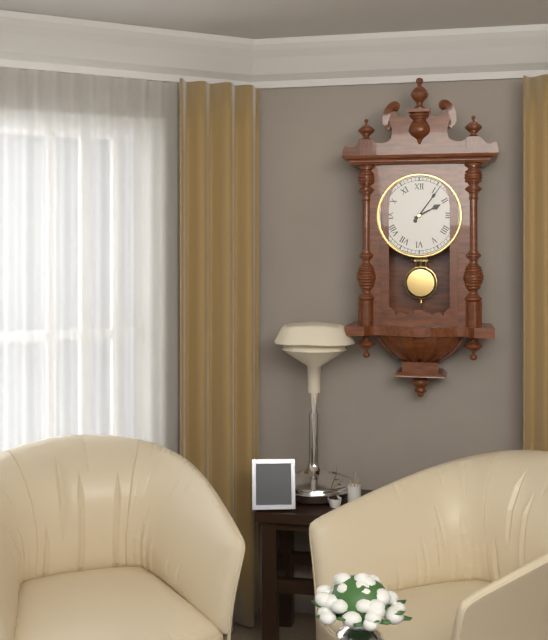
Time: {"hour": 2, "minute": 6}
